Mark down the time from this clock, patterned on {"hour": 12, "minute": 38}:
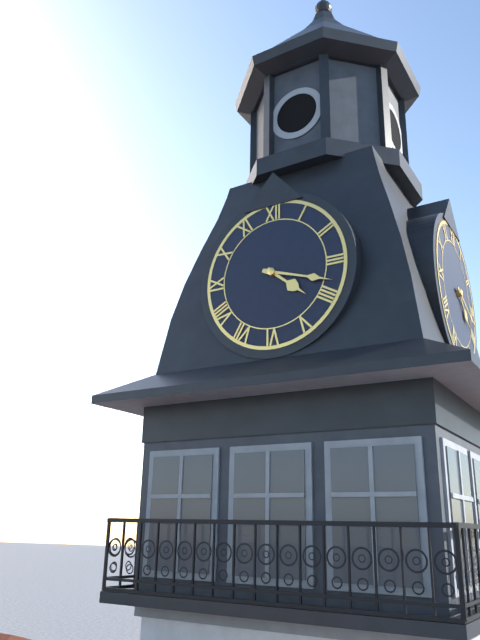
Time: {"hour": 4, "minute": 18}
